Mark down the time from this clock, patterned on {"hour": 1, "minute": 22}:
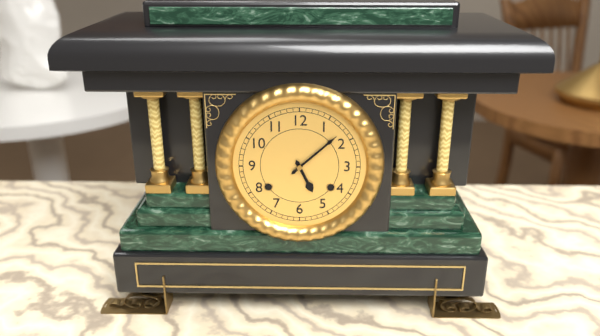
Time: {"hour": 5, "minute": 8}
